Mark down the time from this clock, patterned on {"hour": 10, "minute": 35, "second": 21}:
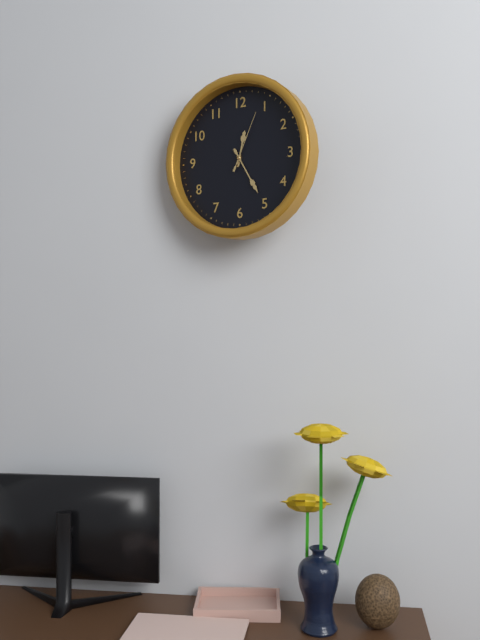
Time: {"hour": 12, "minute": 25, "second": 4}
